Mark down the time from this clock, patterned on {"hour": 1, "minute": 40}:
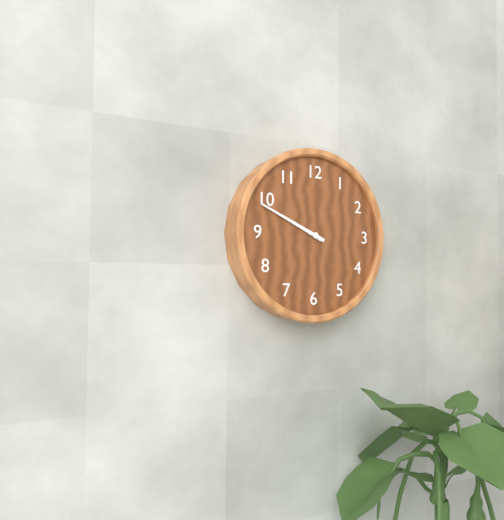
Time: {"hour": 9, "minute": 49}
